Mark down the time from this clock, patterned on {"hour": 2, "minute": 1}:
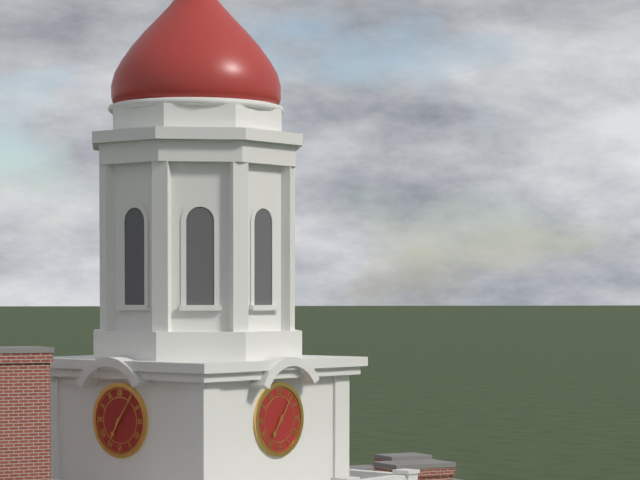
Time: {"hour": 7, "minute": 6}
